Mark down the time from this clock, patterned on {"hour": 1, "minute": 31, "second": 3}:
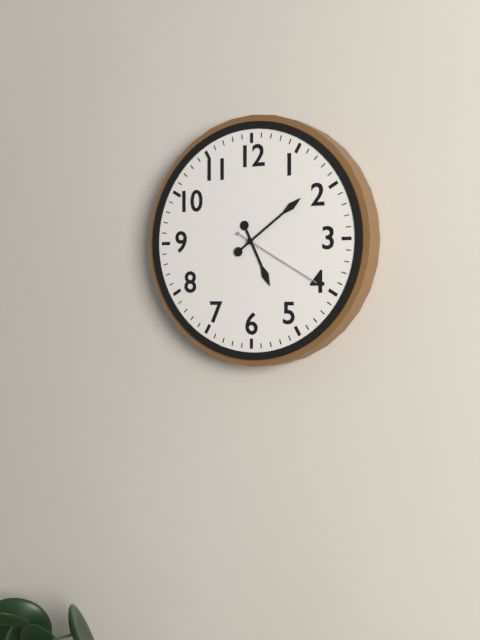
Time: {"hour": 5, "minute": 9, "second": 20}
